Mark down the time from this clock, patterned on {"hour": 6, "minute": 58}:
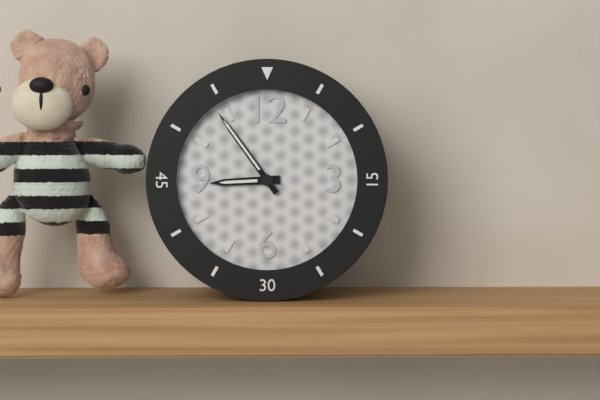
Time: {"hour": 8, "minute": 54}
